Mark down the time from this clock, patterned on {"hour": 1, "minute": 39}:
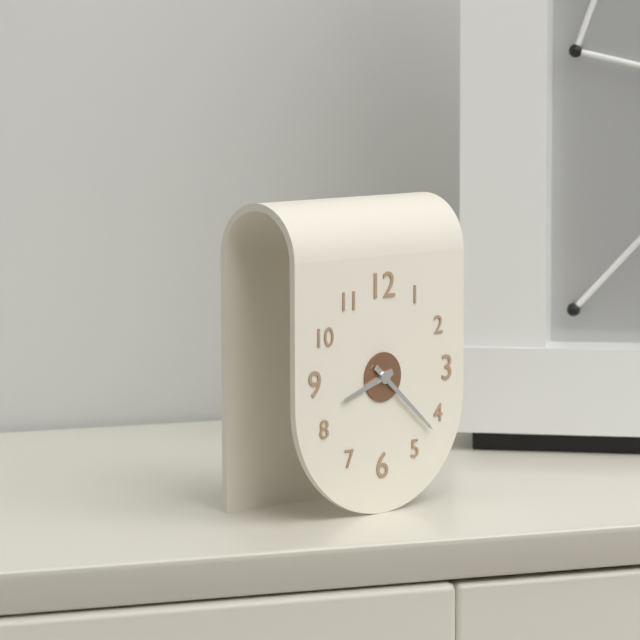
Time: {"hour": 8, "minute": 22}
